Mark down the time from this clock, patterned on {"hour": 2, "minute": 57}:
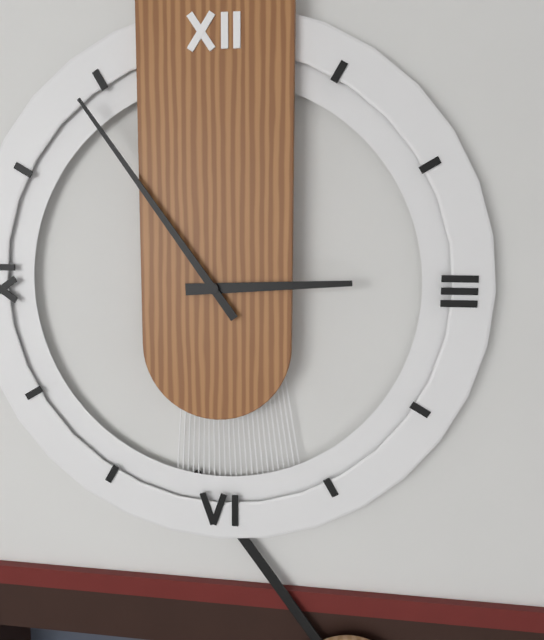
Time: {"hour": 2, "minute": 54}
